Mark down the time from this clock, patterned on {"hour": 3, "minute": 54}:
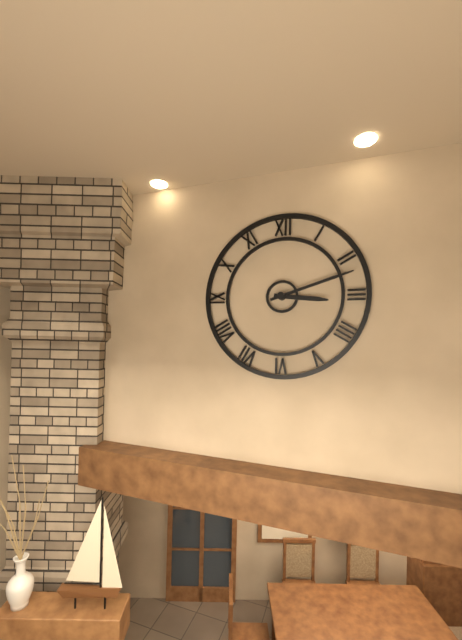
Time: {"hour": 3, "minute": 12}
